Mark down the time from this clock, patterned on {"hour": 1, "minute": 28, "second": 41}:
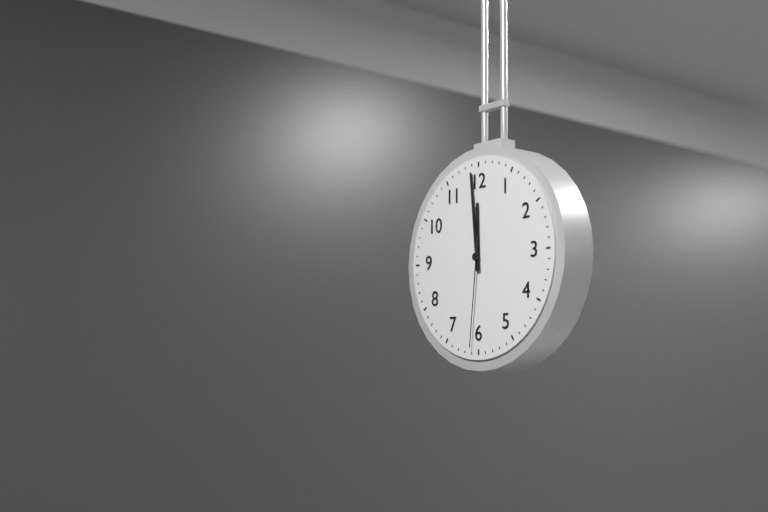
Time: {"hour": 11, "minute": 59, "second": 31}
